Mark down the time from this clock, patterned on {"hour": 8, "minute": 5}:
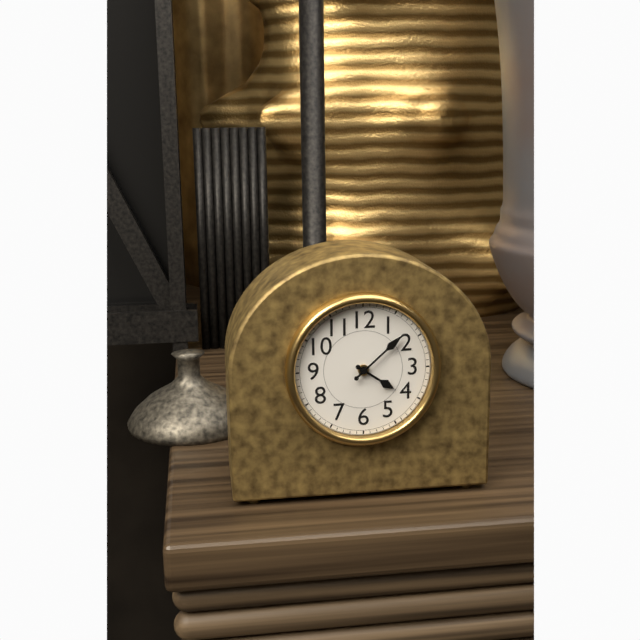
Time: {"hour": 4, "minute": 8}
